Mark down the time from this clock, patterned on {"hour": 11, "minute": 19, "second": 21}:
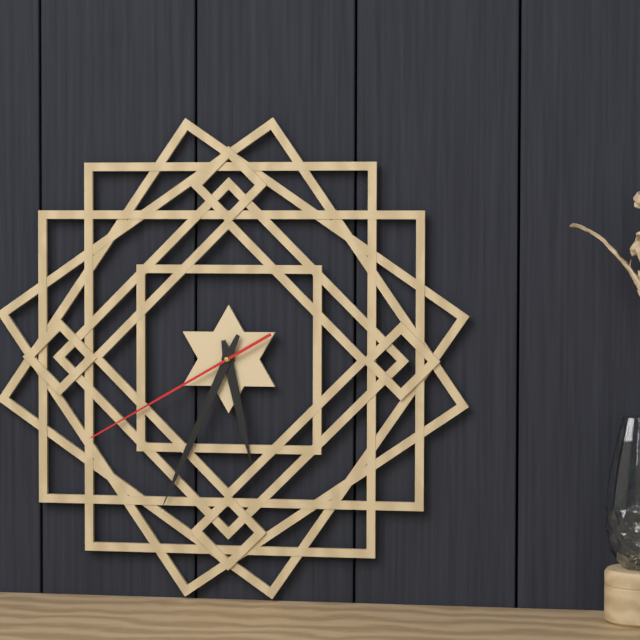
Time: {"hour": 5, "minute": 34, "second": 40}
